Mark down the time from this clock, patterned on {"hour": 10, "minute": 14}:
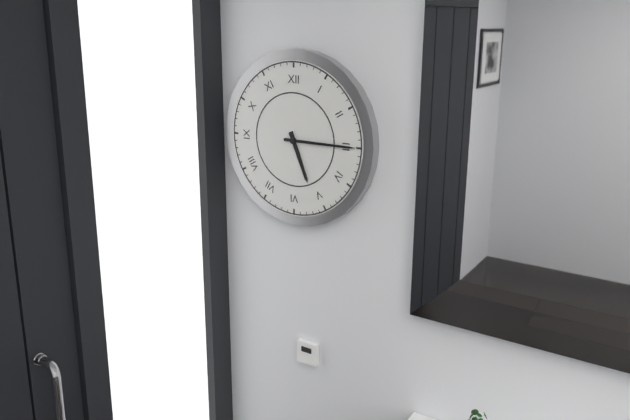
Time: {"hour": 5, "minute": 15}
